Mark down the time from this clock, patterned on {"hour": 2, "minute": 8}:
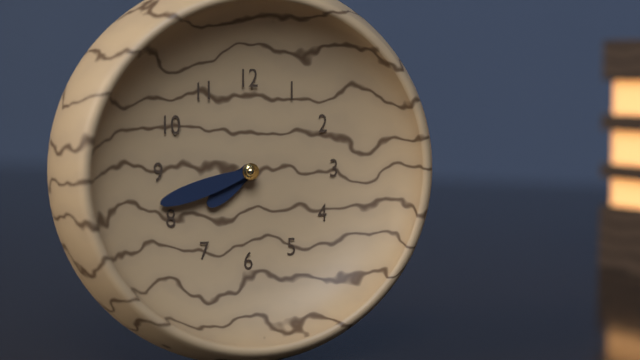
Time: {"hour": 7, "minute": 42}
